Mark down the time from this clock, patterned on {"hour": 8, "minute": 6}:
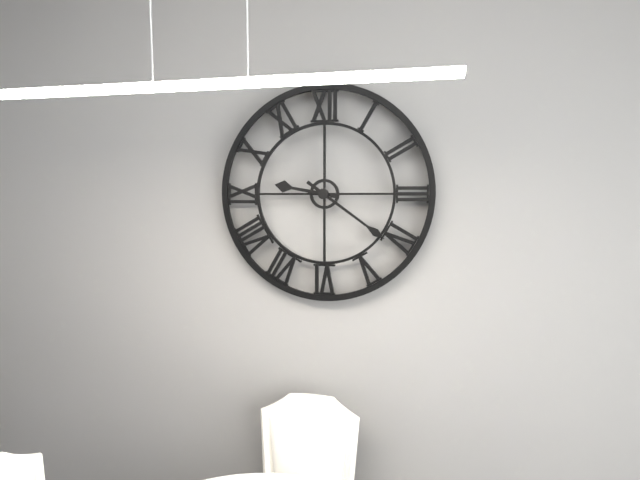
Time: {"hour": 9, "minute": 21}
